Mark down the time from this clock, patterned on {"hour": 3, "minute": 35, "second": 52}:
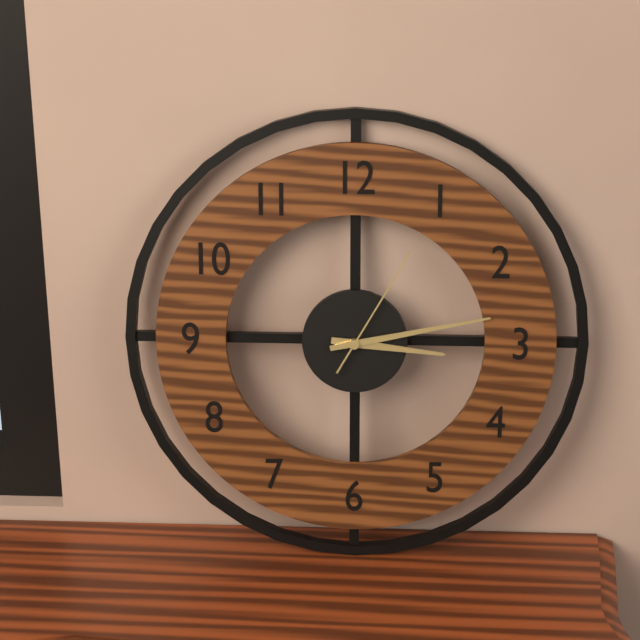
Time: {"hour": 3, "minute": 13, "second": 5}
